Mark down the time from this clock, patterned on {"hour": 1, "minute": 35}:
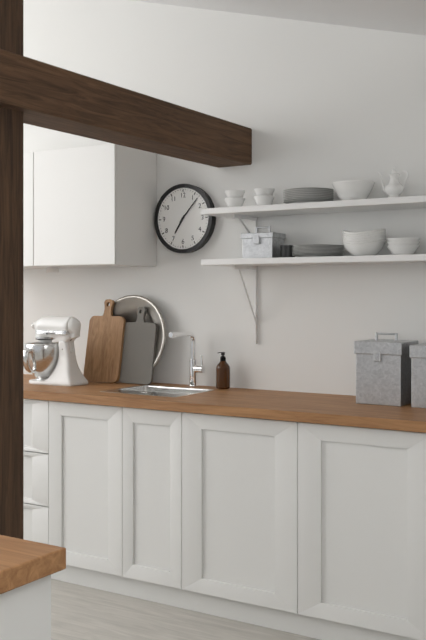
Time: {"hour": 7, "minute": 7}
